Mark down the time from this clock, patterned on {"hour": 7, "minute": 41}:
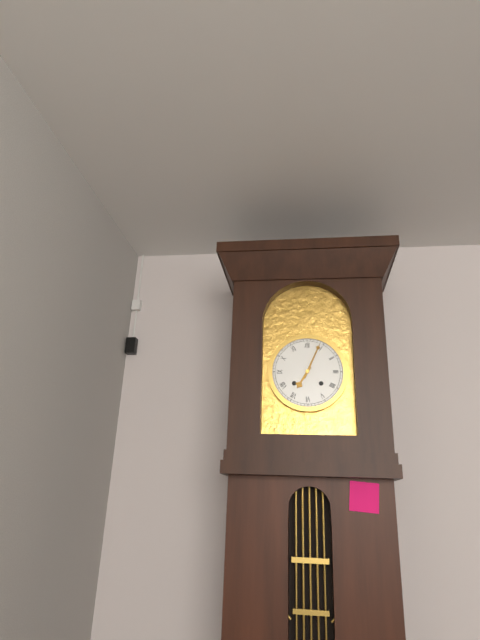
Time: {"hour": 7, "minute": 4}
